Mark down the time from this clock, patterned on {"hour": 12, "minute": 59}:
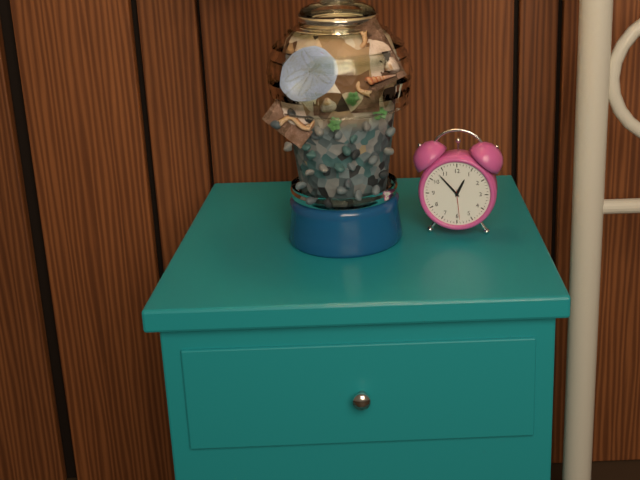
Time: {"hour": 12, "minute": 53}
